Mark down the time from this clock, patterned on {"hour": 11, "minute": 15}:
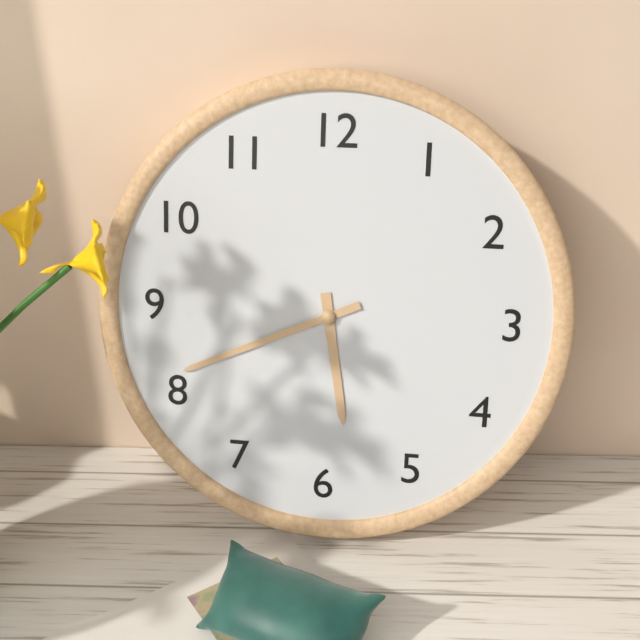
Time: {"hour": 5, "minute": 41}
